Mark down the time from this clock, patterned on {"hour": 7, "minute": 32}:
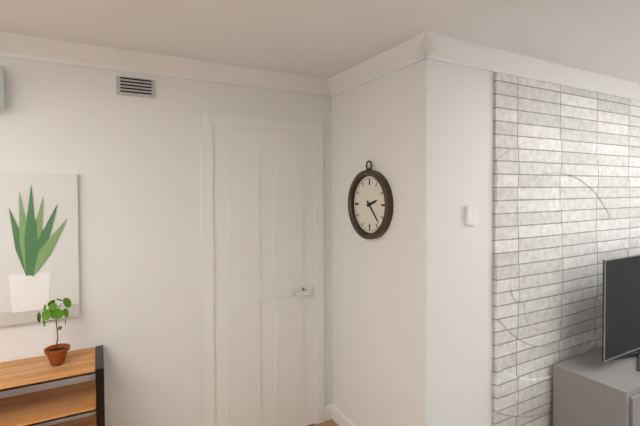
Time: {"hour": 2, "minute": 23}
